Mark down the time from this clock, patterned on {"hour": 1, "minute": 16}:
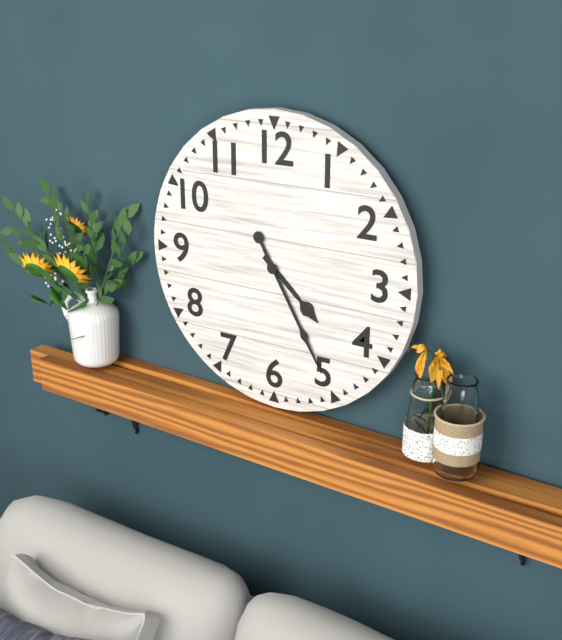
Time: {"hour": 4, "minute": 25}
